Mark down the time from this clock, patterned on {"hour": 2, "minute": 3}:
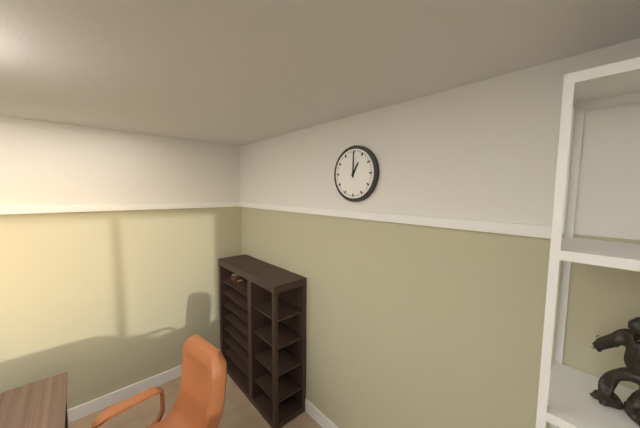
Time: {"hour": 1, "minute": 0}
